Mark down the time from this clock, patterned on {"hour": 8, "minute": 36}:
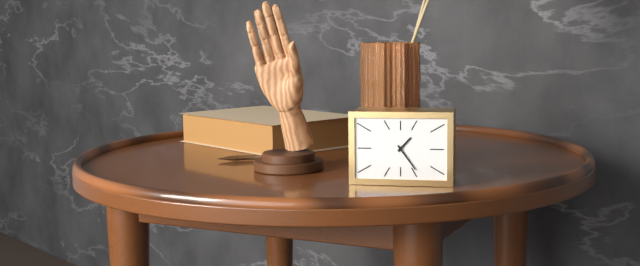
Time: {"hour": 1, "minute": 24}
